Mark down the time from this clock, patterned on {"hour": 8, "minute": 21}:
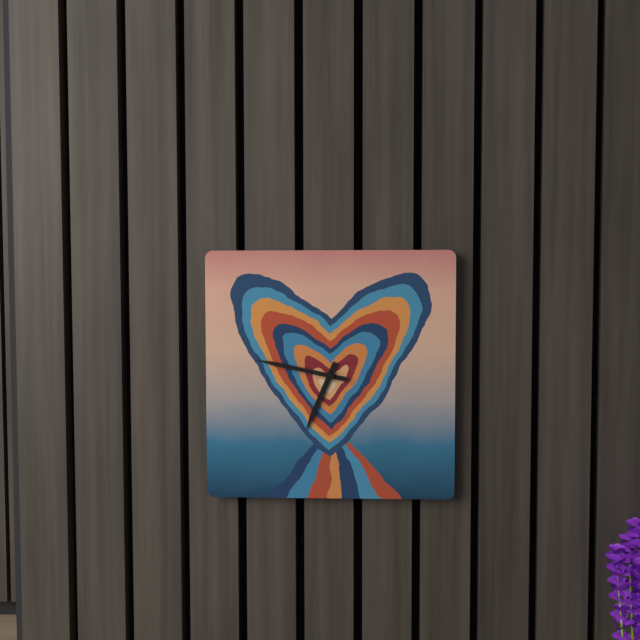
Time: {"hour": 6, "minute": 47}
